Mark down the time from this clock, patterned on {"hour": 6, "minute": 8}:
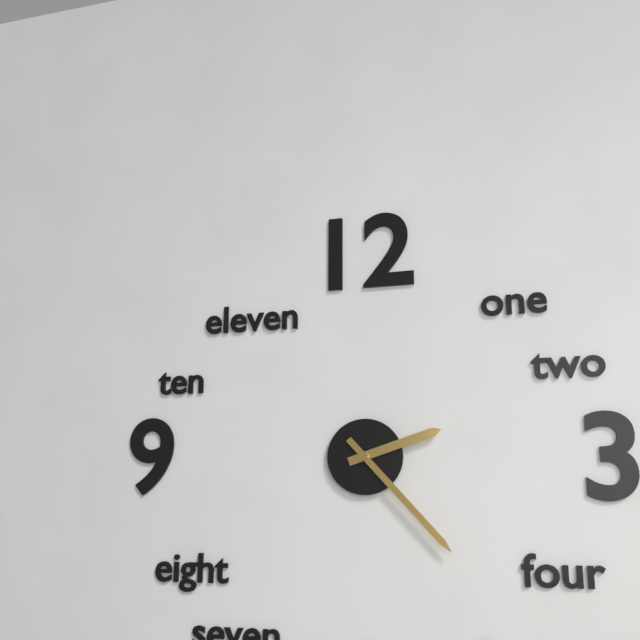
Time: {"hour": 2, "minute": 23}
